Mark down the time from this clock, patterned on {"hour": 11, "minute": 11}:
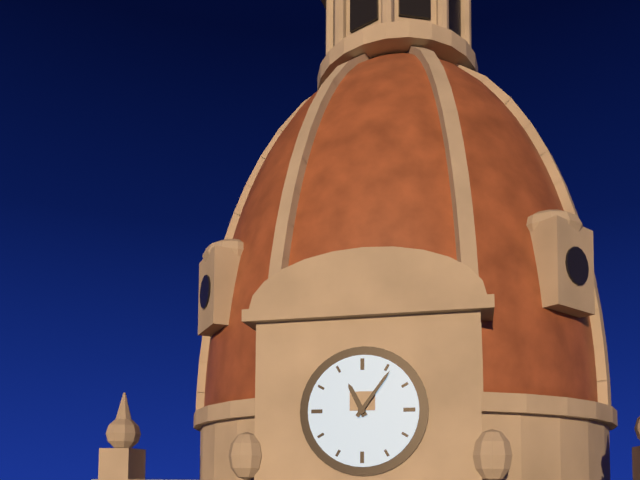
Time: {"hour": 11, "minute": 6}
